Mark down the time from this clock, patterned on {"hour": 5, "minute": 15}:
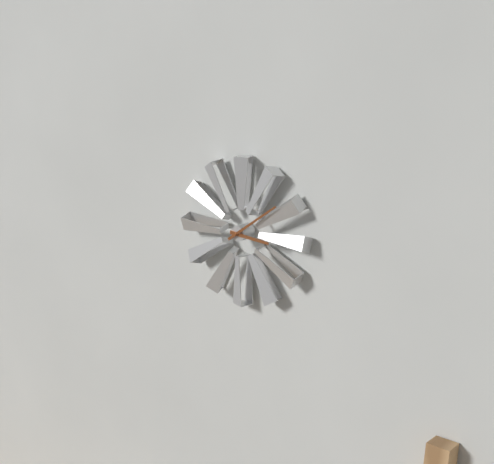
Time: {"hour": 3, "minute": 9}
